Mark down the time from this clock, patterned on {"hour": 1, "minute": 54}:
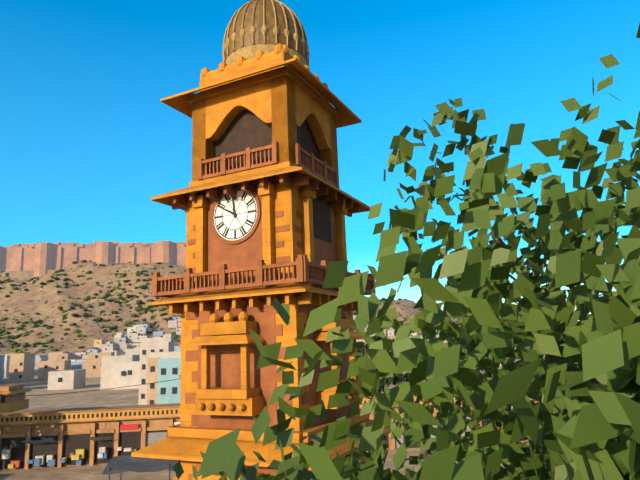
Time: {"hour": 9, "minute": 59}
